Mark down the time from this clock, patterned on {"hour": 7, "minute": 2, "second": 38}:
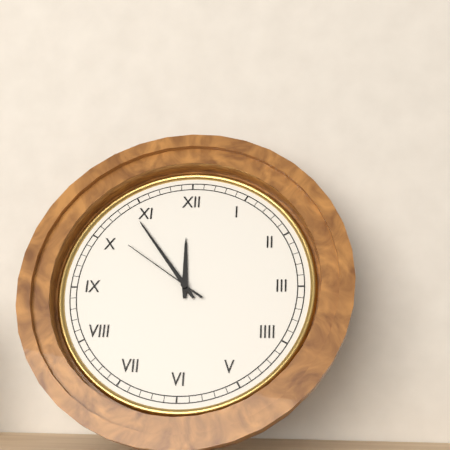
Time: {"hour": 11, "minute": 54, "second": 51}
